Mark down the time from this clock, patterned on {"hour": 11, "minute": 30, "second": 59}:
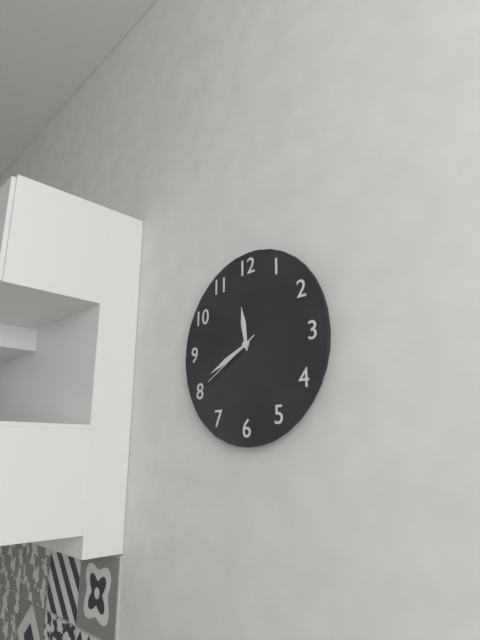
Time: {"hour": 11, "minute": 41, "second": 40}
